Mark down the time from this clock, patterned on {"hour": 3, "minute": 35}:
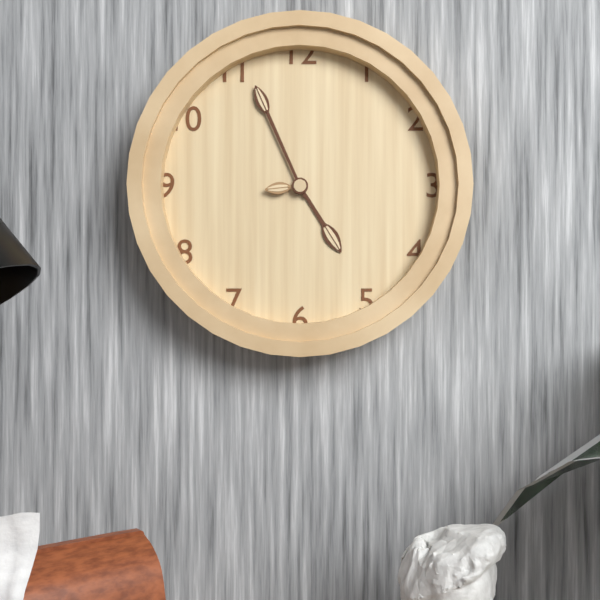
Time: {"hour": 4, "minute": 56}
